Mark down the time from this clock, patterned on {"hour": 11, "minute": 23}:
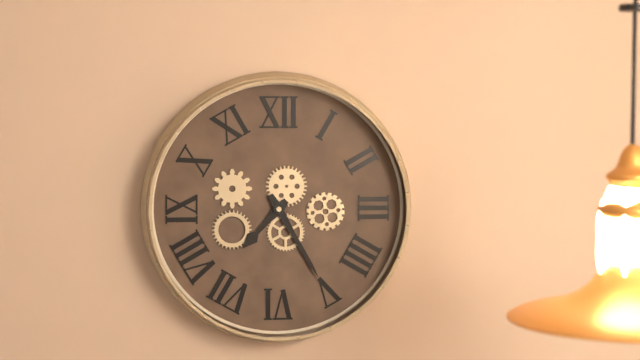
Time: {"hour": 7, "minute": 25}
